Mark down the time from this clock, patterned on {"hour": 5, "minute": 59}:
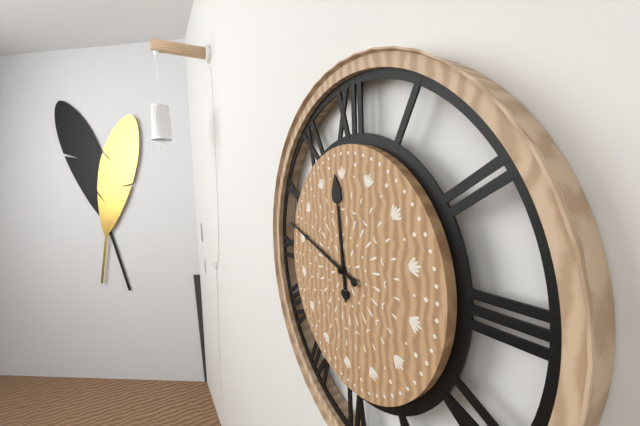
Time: {"hour": 11, "minute": 48}
